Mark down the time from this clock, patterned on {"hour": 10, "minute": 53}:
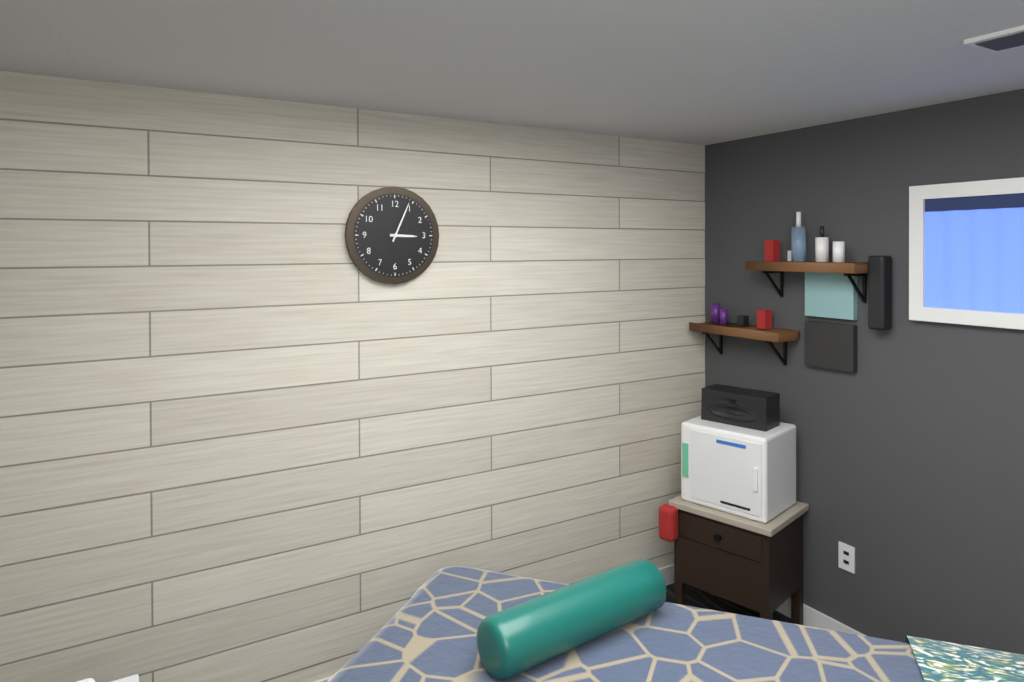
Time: {"hour": 3, "minute": 4}
